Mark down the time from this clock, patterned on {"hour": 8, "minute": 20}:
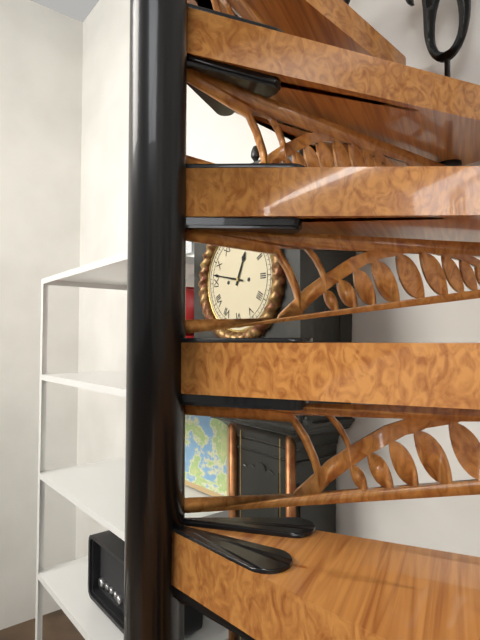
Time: {"hour": 12, "minute": 47}
